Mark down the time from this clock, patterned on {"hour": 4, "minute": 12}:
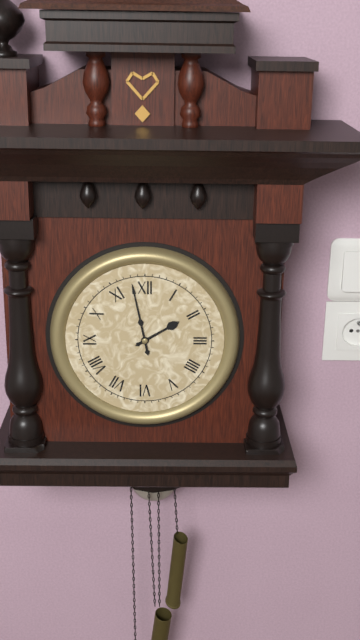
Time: {"hour": 1, "minute": 58}
